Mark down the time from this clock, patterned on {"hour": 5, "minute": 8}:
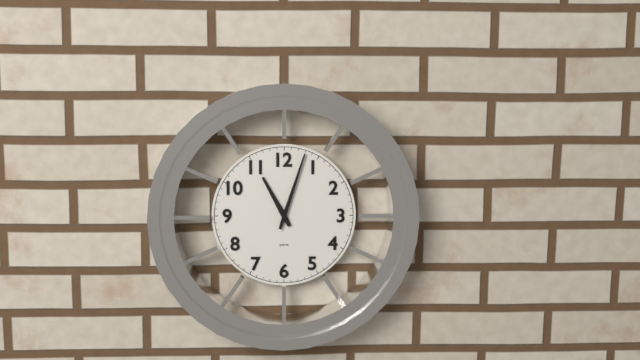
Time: {"hour": 11, "minute": 3}
